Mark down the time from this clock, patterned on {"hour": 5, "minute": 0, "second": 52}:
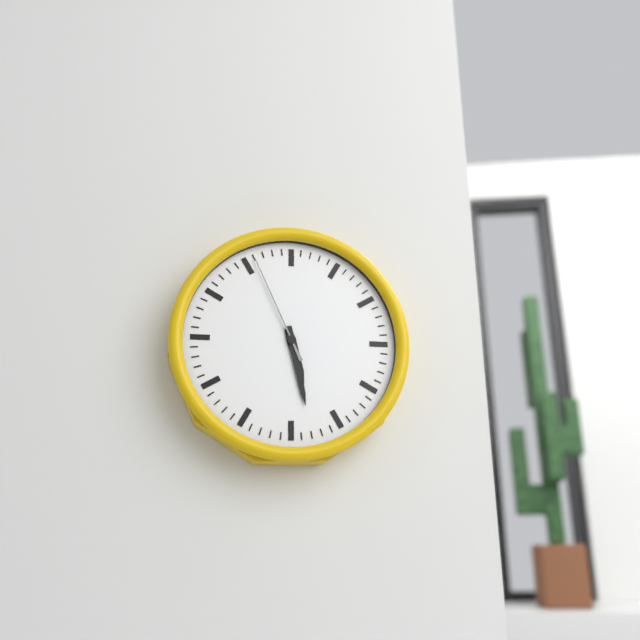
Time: {"hour": 5, "minute": 28, "second": 56}
